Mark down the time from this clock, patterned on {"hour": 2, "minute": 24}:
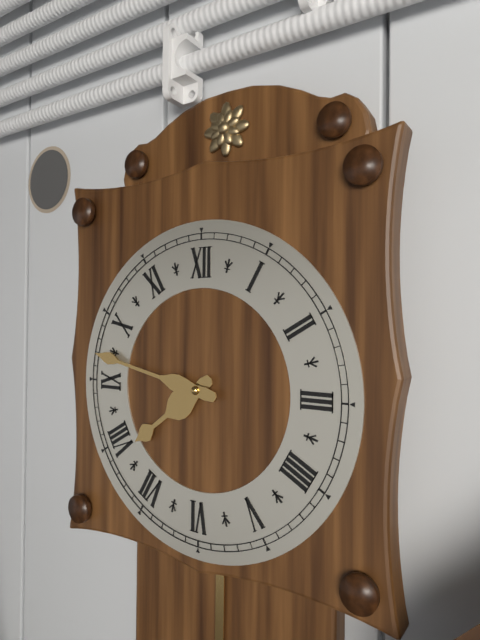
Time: {"hour": 7, "minute": 47}
